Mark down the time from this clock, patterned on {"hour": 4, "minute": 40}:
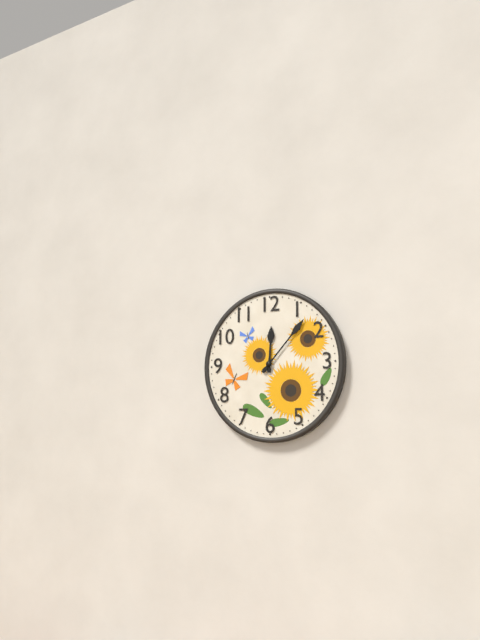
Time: {"hour": 12, "minute": 7}
